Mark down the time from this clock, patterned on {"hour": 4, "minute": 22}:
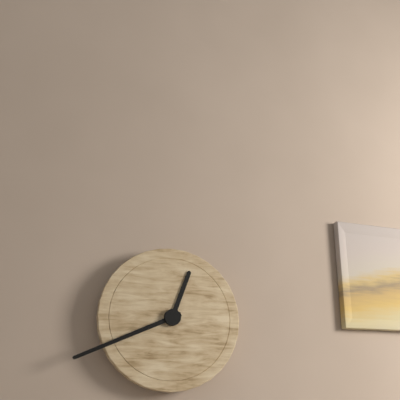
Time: {"hour": 12, "minute": 41}
